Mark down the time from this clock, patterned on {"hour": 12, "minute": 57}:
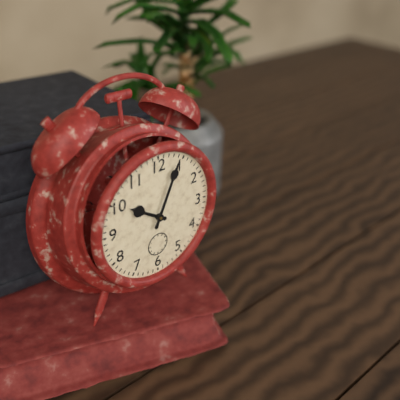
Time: {"hour": 10, "minute": 4}
